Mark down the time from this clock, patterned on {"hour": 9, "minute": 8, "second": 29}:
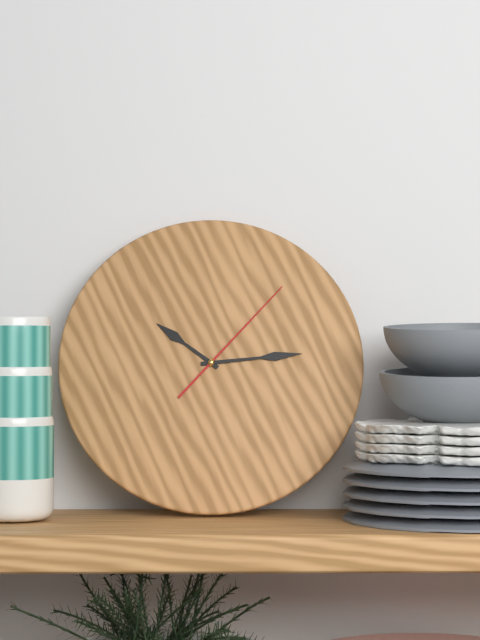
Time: {"hour": 10, "minute": 14, "second": 7}
